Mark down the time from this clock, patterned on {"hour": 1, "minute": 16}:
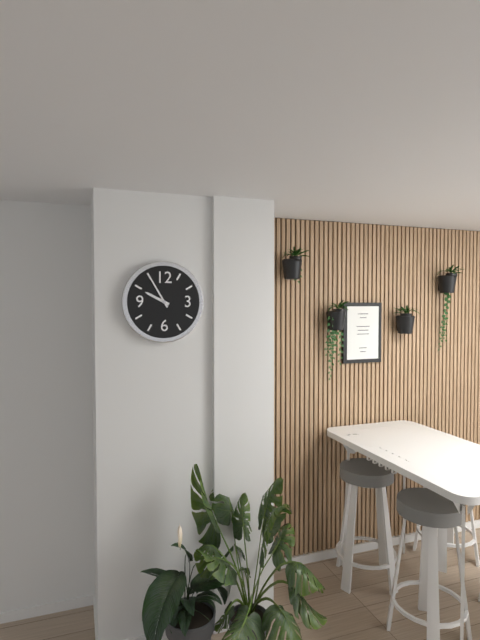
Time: {"hour": 9, "minute": 55}
